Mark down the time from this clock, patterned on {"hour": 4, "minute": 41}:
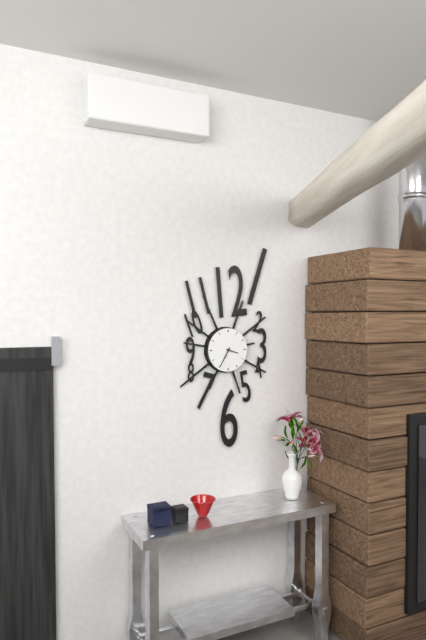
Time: {"hour": 3, "minute": 35}
